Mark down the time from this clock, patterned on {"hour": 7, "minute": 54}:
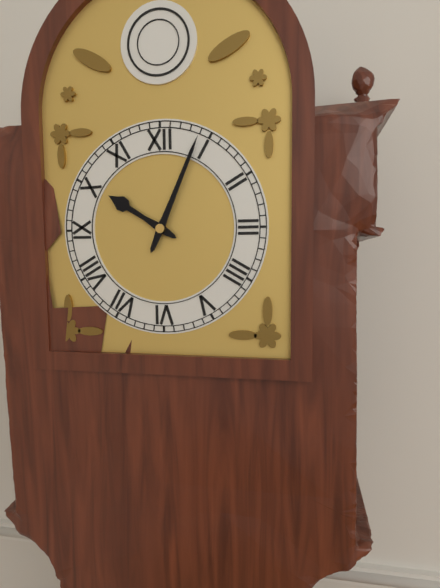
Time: {"hour": 10, "minute": 4}
